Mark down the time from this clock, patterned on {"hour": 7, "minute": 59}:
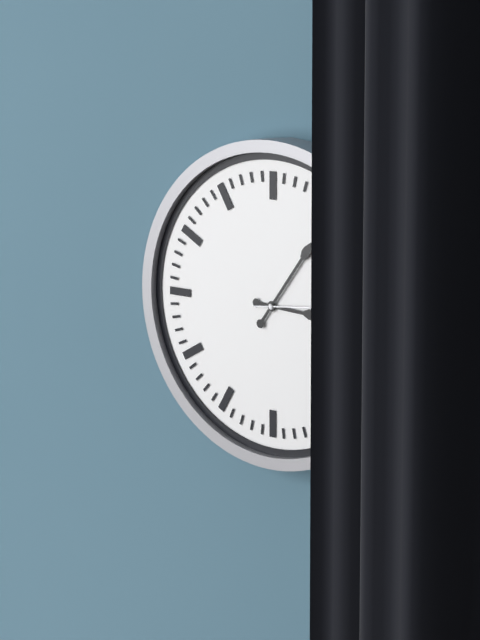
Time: {"hour": 3, "minute": 6}
